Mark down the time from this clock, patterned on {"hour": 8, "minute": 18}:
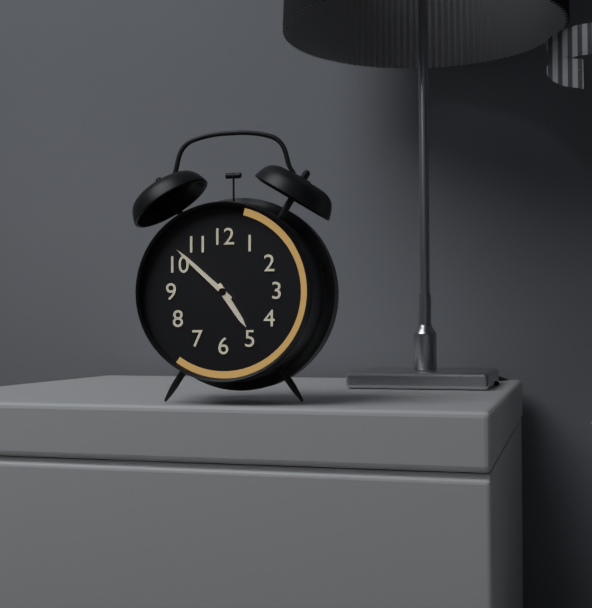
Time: {"hour": 4, "minute": 52}
